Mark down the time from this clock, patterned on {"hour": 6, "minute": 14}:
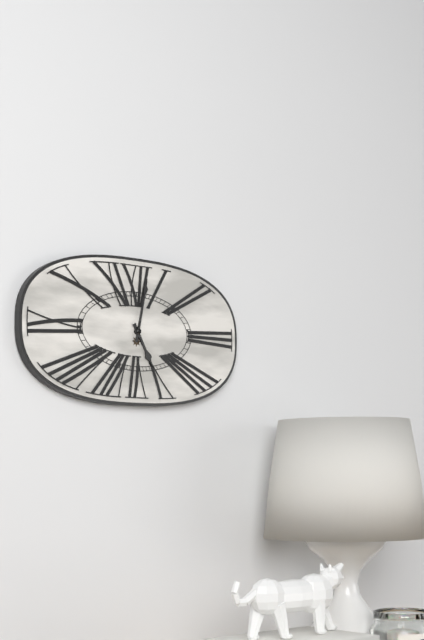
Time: {"hour": 5, "minute": 2}
